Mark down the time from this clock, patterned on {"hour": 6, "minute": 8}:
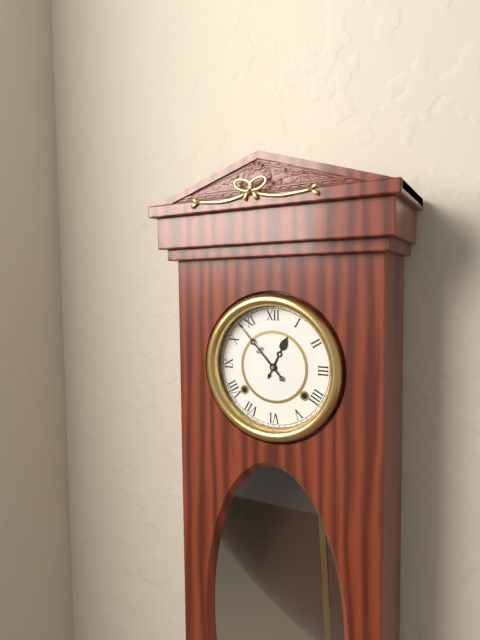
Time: {"hour": 12, "minute": 53}
